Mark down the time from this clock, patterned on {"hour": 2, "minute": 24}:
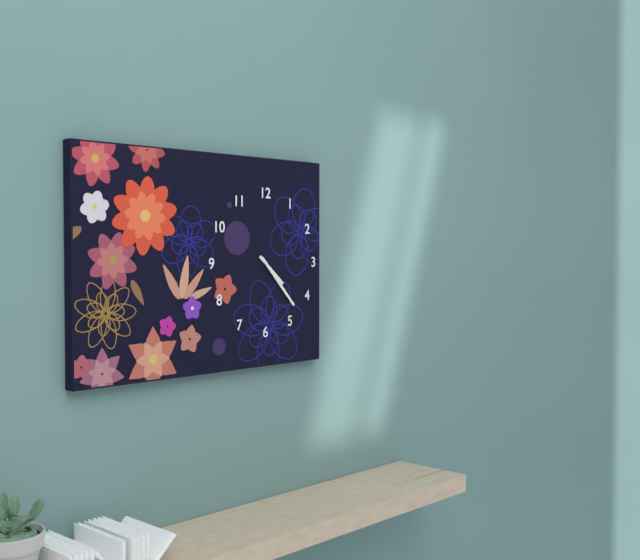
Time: {"hour": 4, "minute": 23}
